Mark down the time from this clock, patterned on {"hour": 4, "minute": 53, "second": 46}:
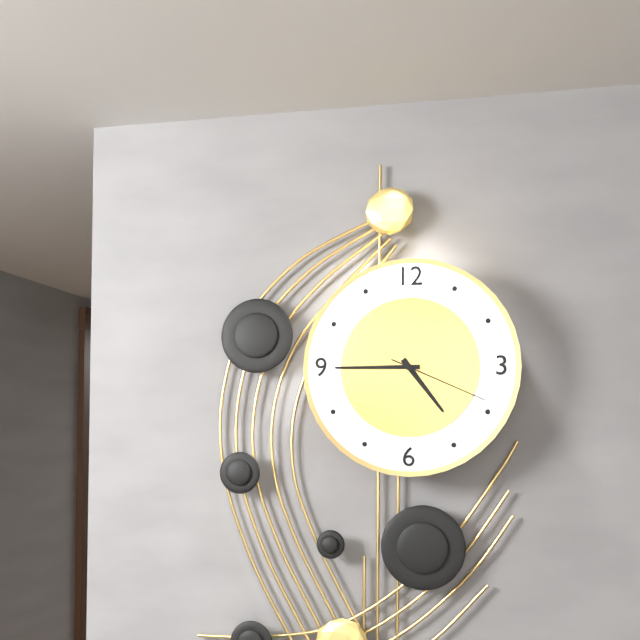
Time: {"hour": 4, "minute": 45, "second": 19}
